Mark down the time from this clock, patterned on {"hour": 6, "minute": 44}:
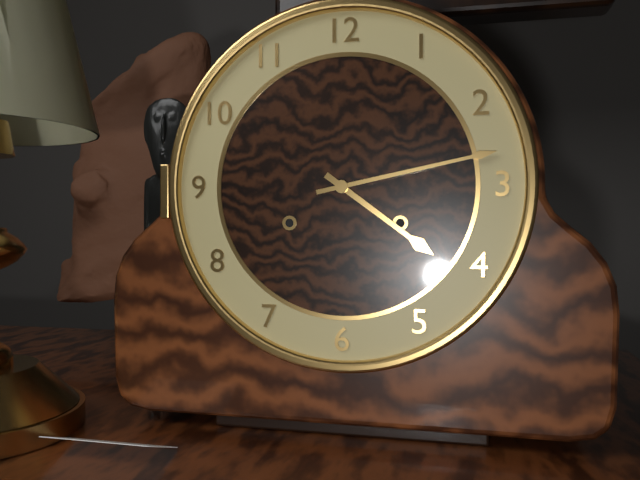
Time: {"hour": 4, "minute": 13}
